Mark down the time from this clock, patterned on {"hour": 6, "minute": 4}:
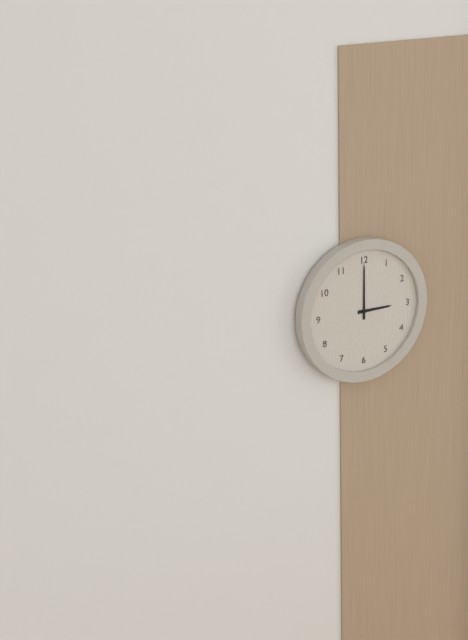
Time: {"hour": 3, "minute": 0}
